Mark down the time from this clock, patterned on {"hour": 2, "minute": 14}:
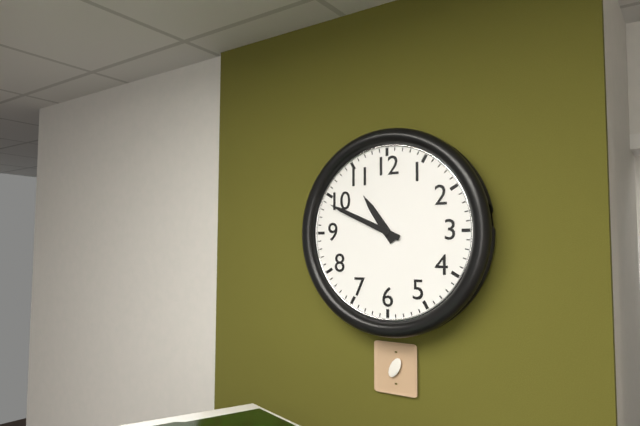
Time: {"hour": 10, "minute": 49}
